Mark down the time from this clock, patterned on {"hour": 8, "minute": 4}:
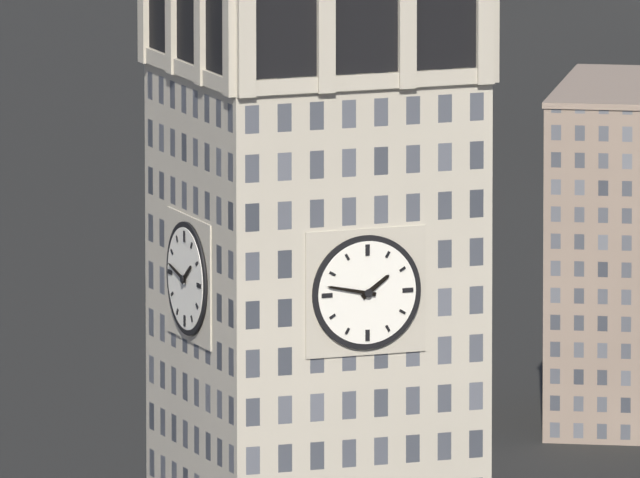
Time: {"hour": 1, "minute": 47}
